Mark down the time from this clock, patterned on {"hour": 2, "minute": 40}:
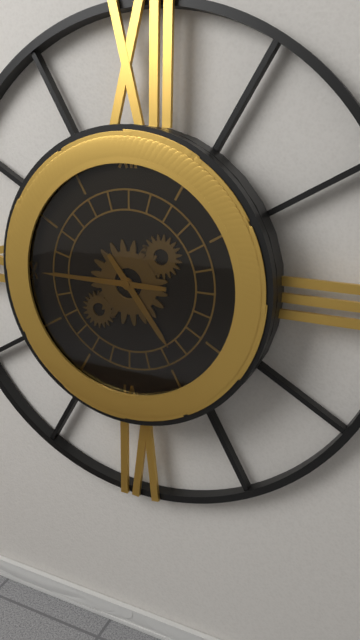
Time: {"hour": 4, "minute": 45}
